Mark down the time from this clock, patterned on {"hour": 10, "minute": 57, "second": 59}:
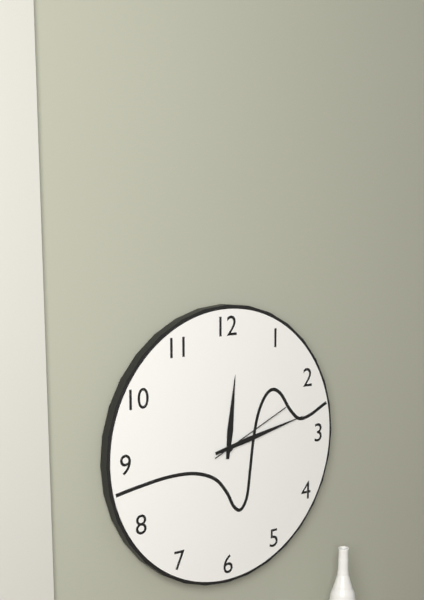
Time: {"hour": 12, "minute": 13, "second": 11}
